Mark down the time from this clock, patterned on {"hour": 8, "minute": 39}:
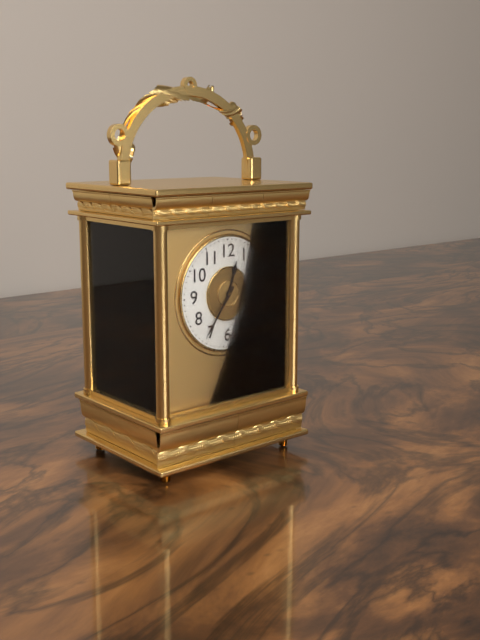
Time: {"hour": 12, "minute": 36}
